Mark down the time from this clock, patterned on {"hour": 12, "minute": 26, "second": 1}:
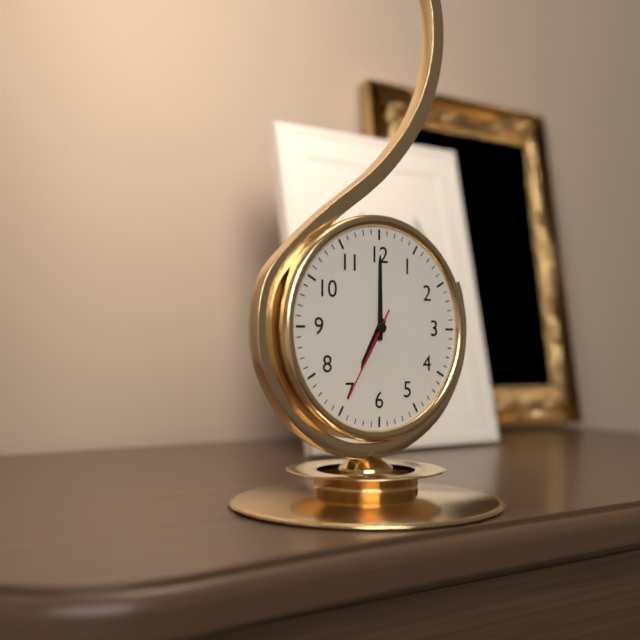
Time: {"hour": 7, "minute": 0, "second": 35}
